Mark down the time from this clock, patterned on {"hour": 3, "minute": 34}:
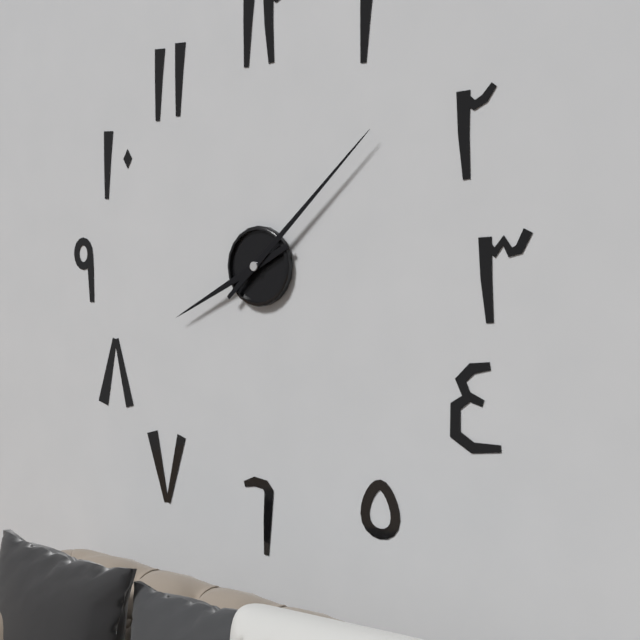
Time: {"hour": 8, "minute": 8}
